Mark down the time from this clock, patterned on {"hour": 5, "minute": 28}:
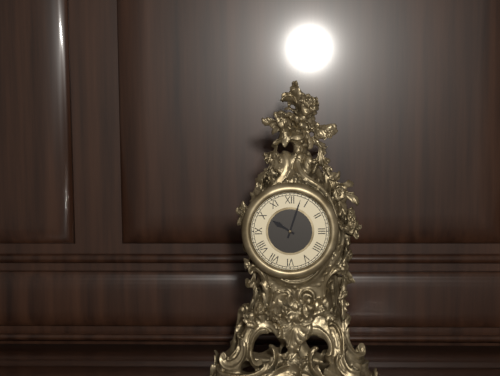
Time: {"hour": 10, "minute": 3}
